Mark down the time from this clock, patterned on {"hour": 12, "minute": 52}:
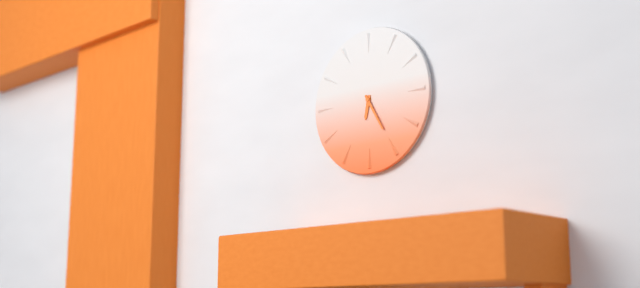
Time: {"hour": 6, "minute": 25}
